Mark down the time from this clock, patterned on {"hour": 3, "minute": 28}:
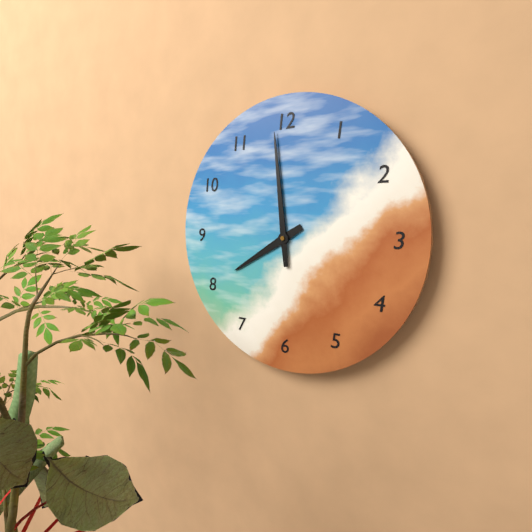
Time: {"hour": 7, "minute": 59}
